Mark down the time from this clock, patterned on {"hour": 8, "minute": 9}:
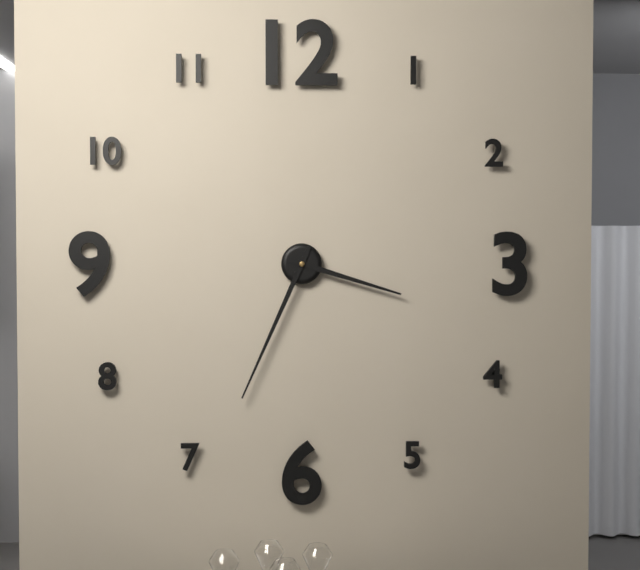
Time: {"hour": 3, "minute": 34}
